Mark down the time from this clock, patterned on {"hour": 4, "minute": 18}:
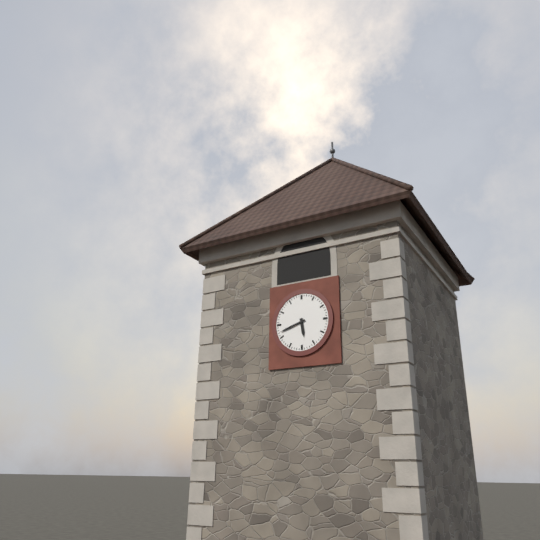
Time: {"hour": 5, "minute": 42}
